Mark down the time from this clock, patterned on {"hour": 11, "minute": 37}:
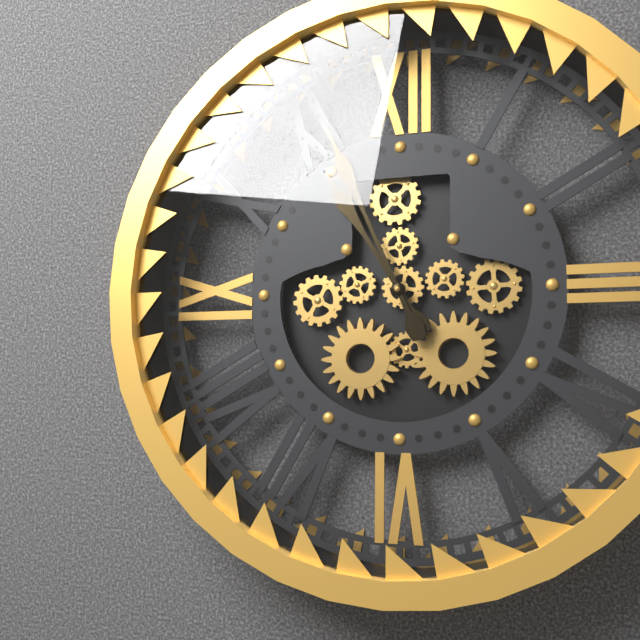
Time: {"hour": 10, "minute": 56}
